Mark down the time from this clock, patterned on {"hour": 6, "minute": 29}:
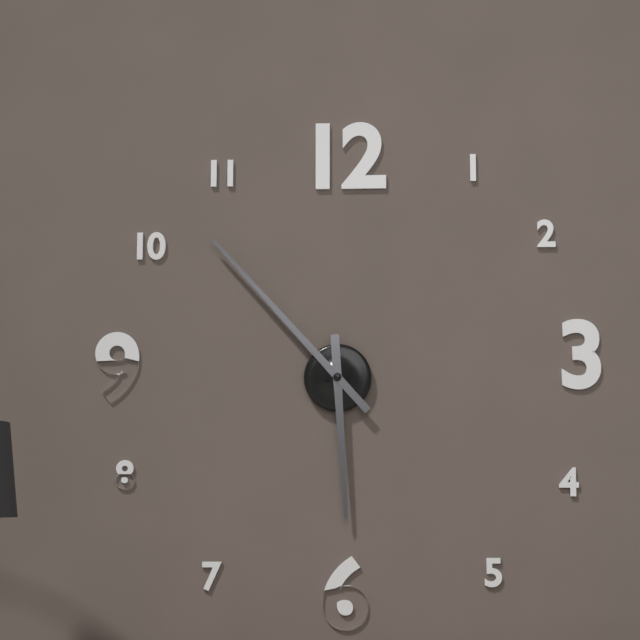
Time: {"hour": 5, "minute": 53}
